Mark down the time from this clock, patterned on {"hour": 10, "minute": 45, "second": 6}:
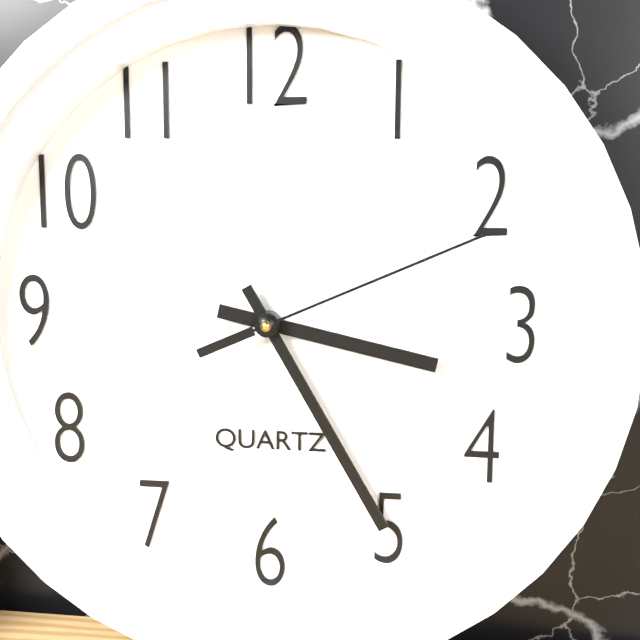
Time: {"hour": 3, "minute": 25, "second": 11}
